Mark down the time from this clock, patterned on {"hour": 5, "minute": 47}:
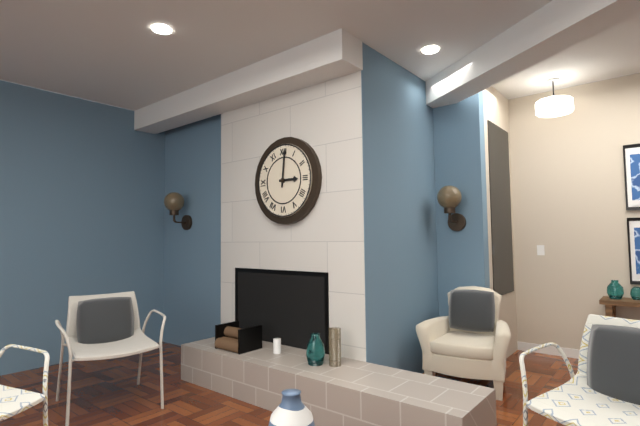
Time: {"hour": 3, "minute": 1}
